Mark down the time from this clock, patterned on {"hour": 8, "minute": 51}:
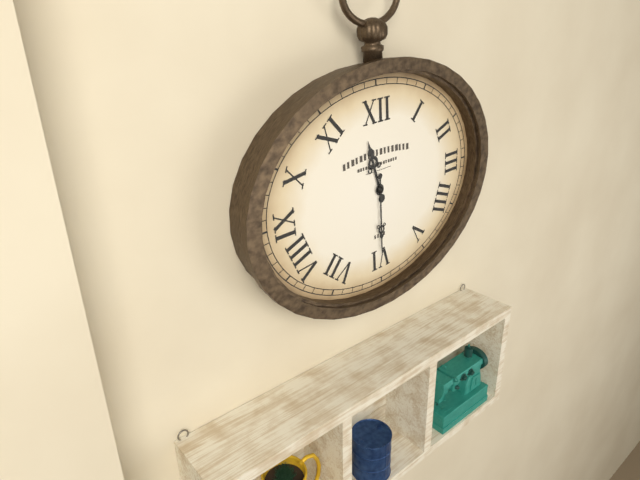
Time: {"hour": 11, "minute": 30}
